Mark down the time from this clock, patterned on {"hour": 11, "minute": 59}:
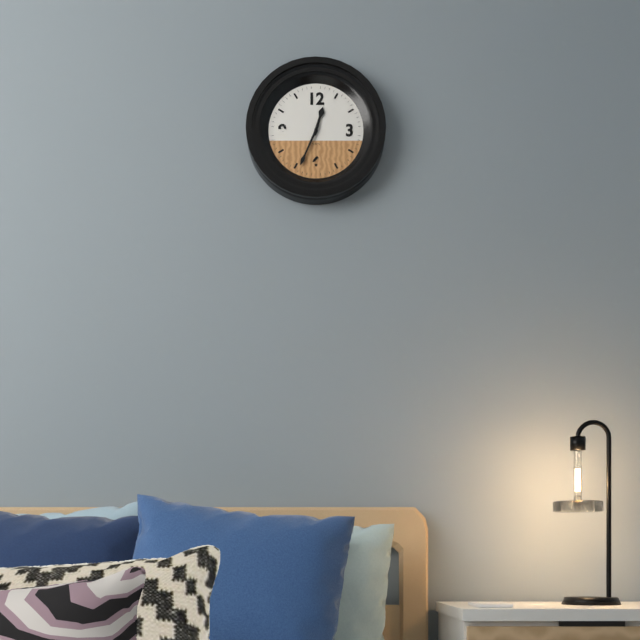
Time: {"hour": 12, "minute": 34}
